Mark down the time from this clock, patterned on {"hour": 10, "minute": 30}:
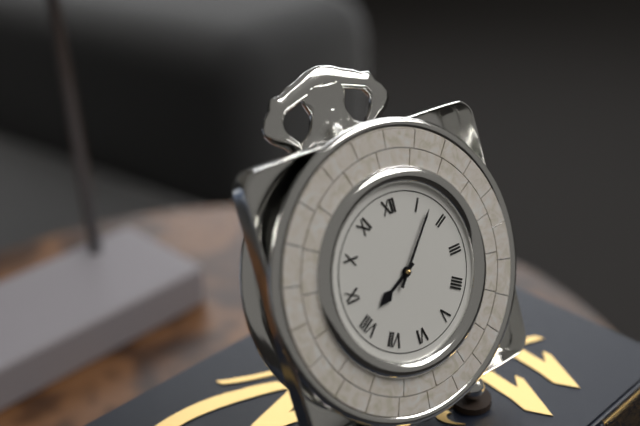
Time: {"hour": 8, "minute": 7}
